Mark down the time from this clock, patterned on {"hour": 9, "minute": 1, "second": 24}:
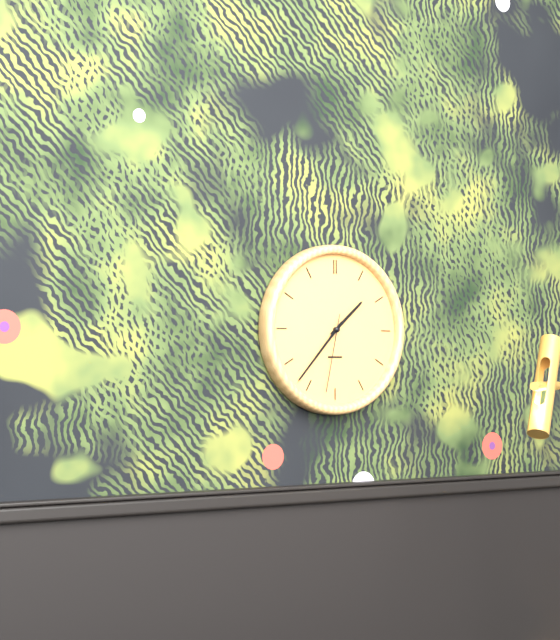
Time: {"hour": 1, "minute": 37, "second": 32}
